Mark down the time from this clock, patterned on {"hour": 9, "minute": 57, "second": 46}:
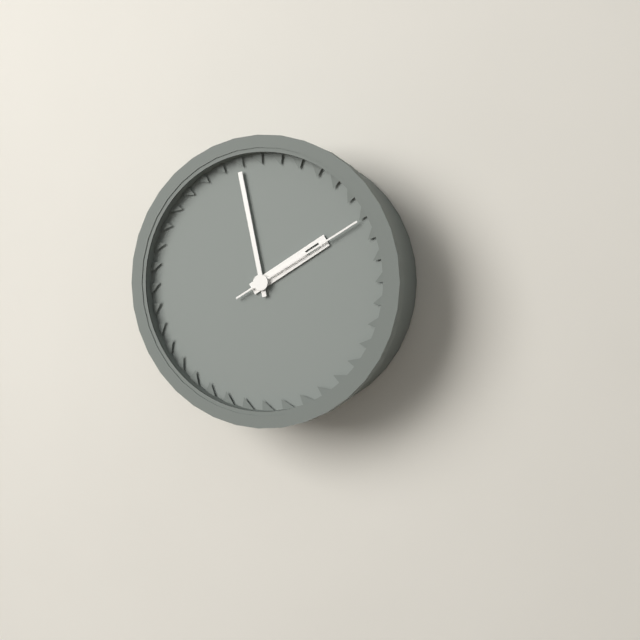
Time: {"hour": 1, "minute": 58, "second": 10}
